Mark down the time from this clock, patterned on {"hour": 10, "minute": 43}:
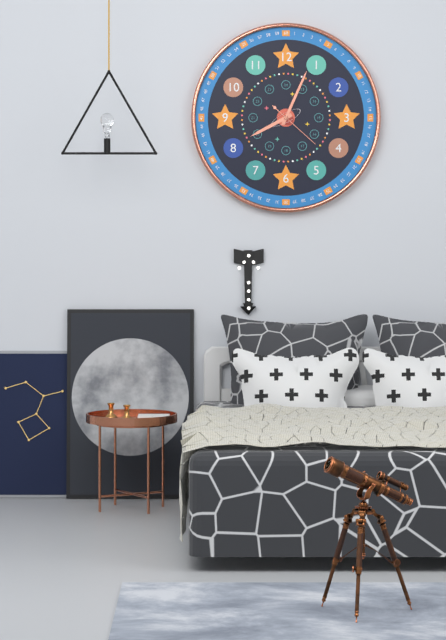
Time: {"hour": 8, "minute": 4}
